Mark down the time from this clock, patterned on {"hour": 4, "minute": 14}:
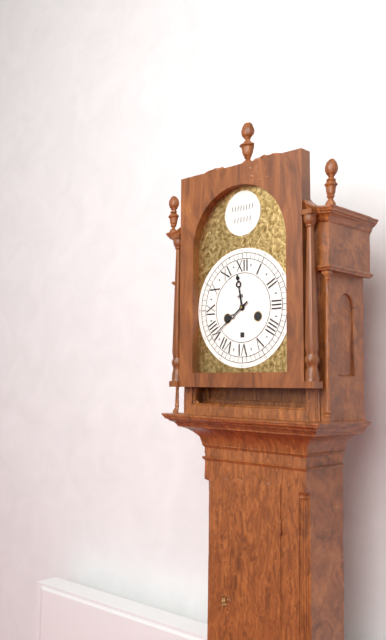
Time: {"hour": 11, "minute": 39}
